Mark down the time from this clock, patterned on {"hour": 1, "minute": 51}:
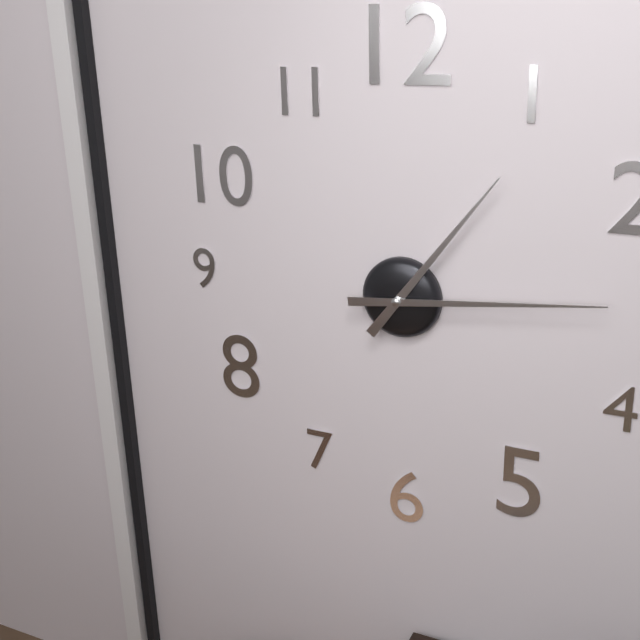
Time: {"hour": 1, "minute": 14}
